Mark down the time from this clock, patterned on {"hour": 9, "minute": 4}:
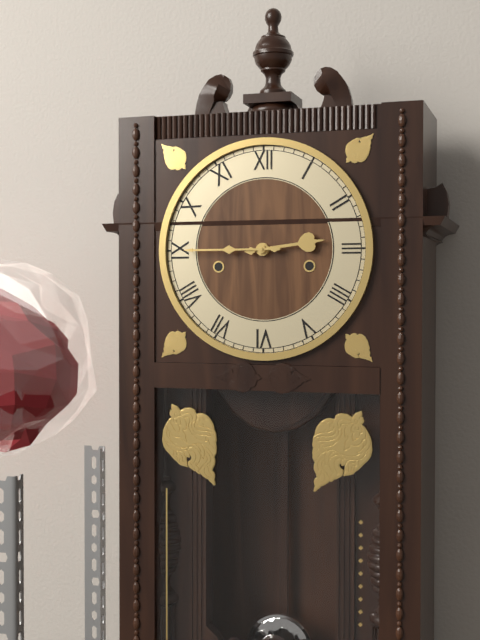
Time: {"hour": 2, "minute": 45}
